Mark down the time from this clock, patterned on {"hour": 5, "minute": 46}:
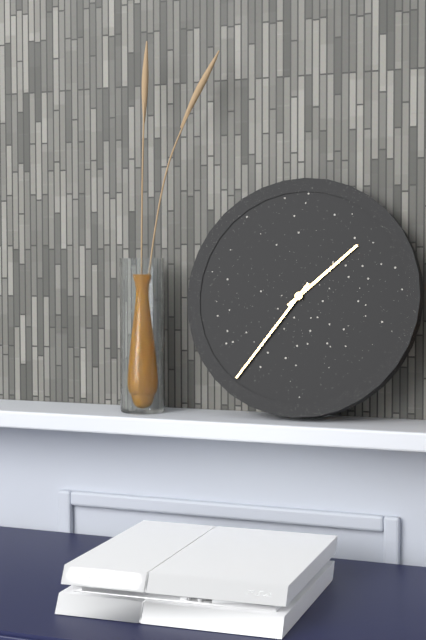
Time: {"hour": 1, "minute": 36}
